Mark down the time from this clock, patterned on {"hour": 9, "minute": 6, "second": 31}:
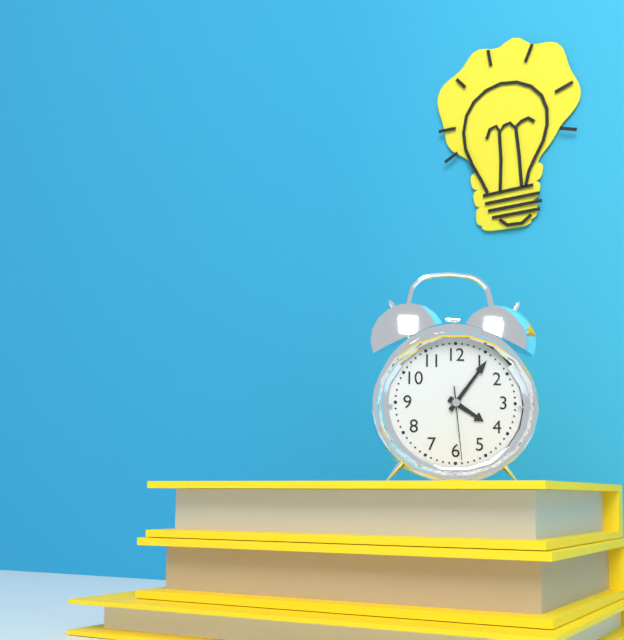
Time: {"hour": 4, "minute": 6, "second": 29}
